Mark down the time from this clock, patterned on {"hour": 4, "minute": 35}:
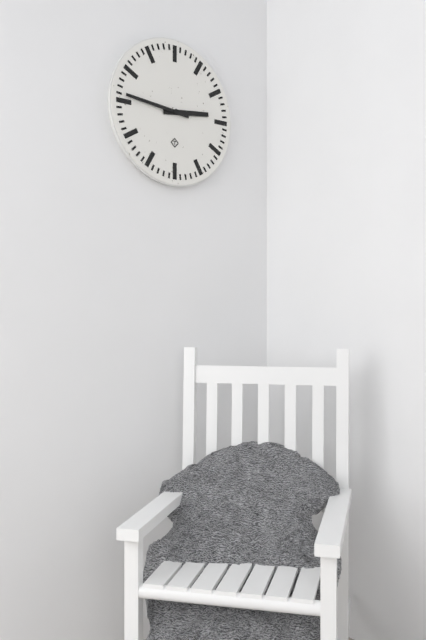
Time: {"hour": 2, "minute": 46}
